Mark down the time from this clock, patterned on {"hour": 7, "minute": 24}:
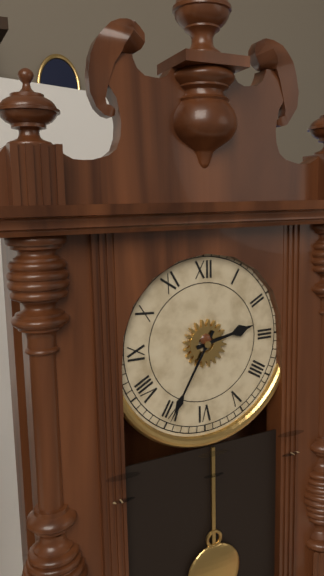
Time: {"hour": 2, "minute": 35}
